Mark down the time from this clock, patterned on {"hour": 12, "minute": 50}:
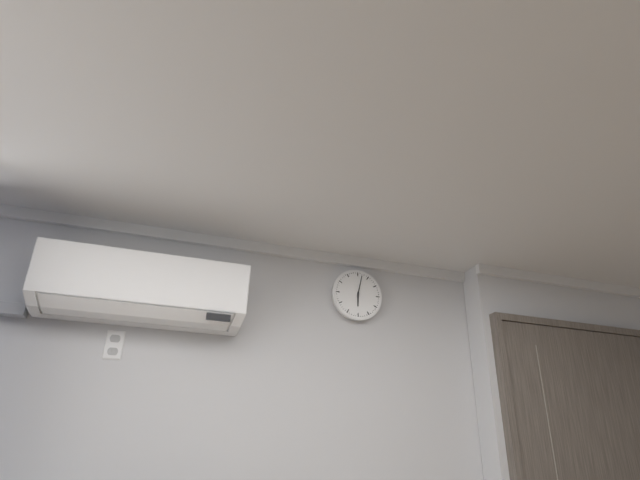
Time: {"hour": 6, "minute": 2}
